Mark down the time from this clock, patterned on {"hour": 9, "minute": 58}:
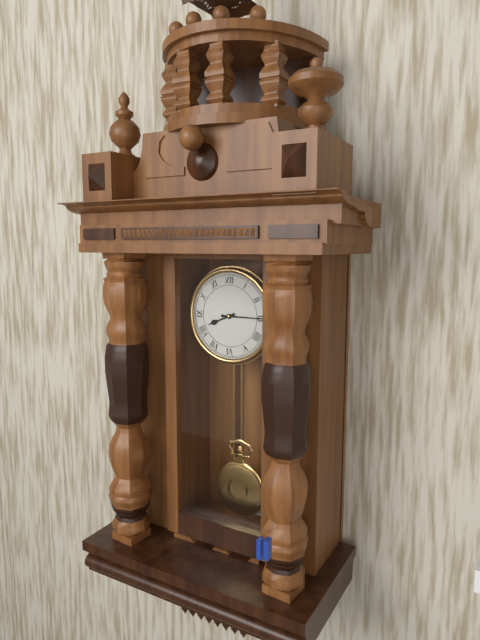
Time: {"hour": 8, "minute": 15}
